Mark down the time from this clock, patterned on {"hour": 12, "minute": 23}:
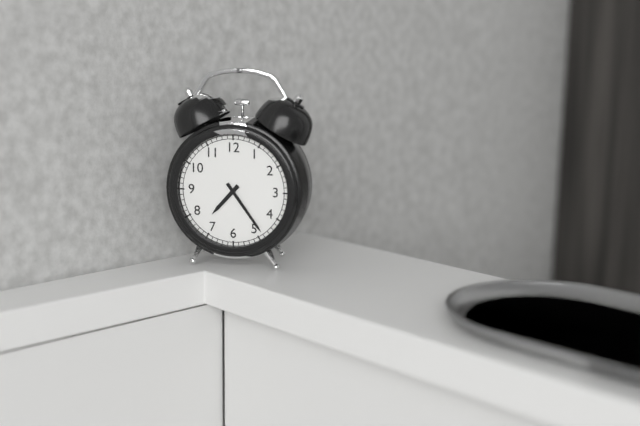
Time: {"hour": 7, "minute": 24}
